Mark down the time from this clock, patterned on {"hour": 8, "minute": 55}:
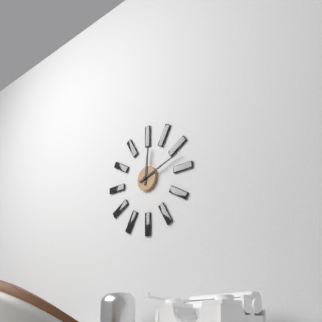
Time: {"hour": 12, "minute": 12}
